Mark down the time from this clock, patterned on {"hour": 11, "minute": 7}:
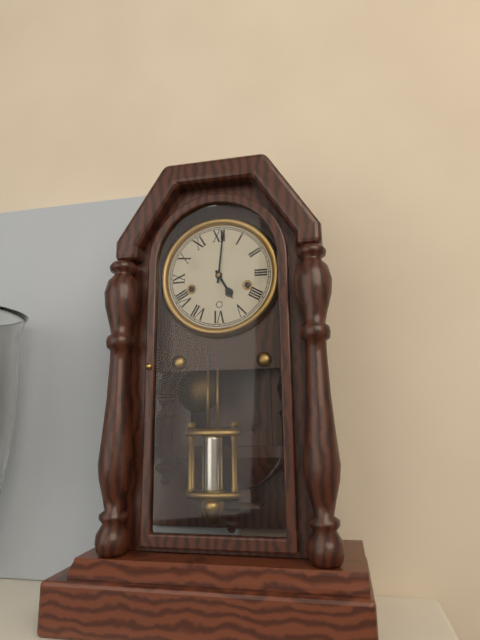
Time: {"hour": 5, "minute": 1}
